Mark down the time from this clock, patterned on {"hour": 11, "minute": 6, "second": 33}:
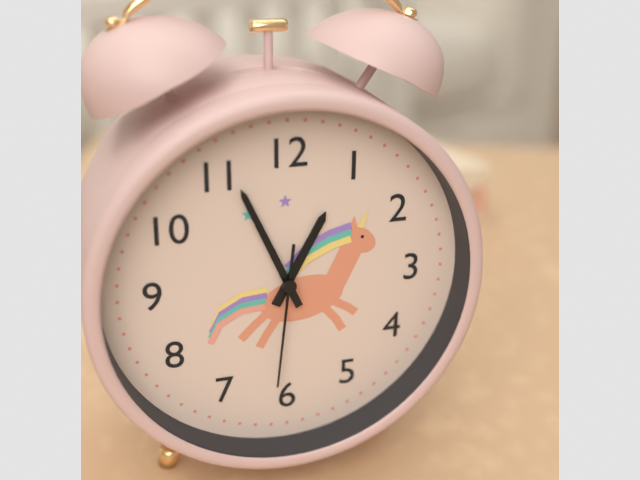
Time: {"hour": 12, "minute": 56, "second": 31}
